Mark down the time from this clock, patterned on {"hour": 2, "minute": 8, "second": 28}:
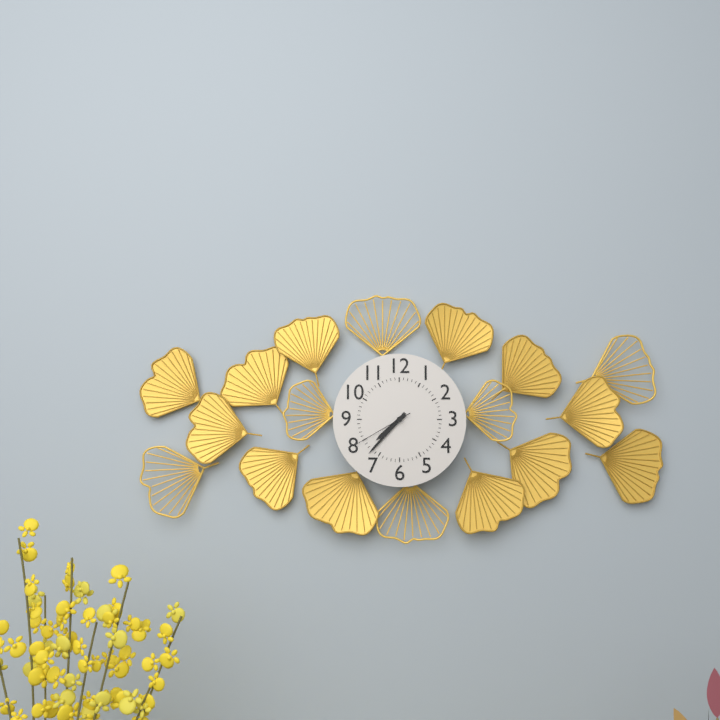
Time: {"hour": 7, "minute": 37, "second": 40}
